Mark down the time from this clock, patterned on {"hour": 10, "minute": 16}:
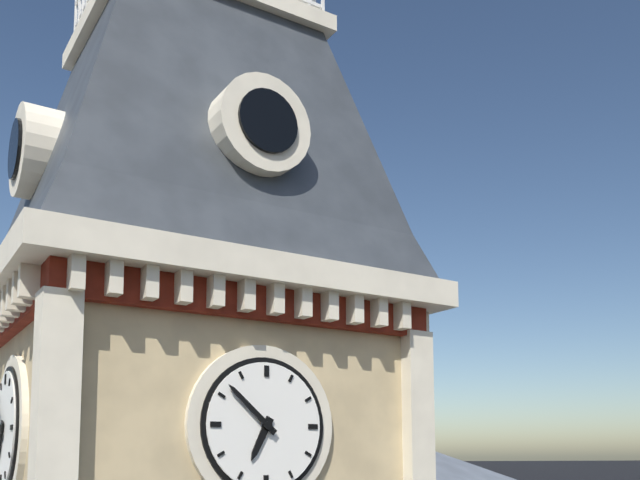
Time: {"hour": 6, "minute": 52}
